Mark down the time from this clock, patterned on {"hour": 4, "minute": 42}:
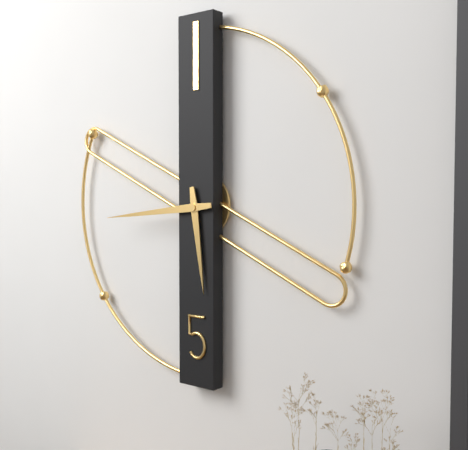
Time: {"hour": 5, "minute": 44}
